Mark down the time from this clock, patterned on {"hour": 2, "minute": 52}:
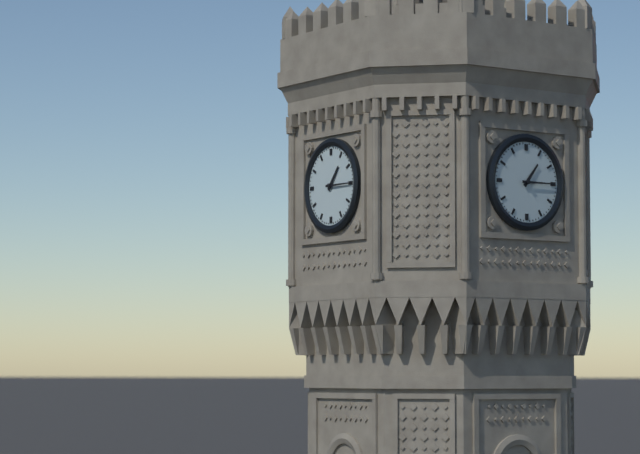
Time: {"hour": 1, "minute": 15}
